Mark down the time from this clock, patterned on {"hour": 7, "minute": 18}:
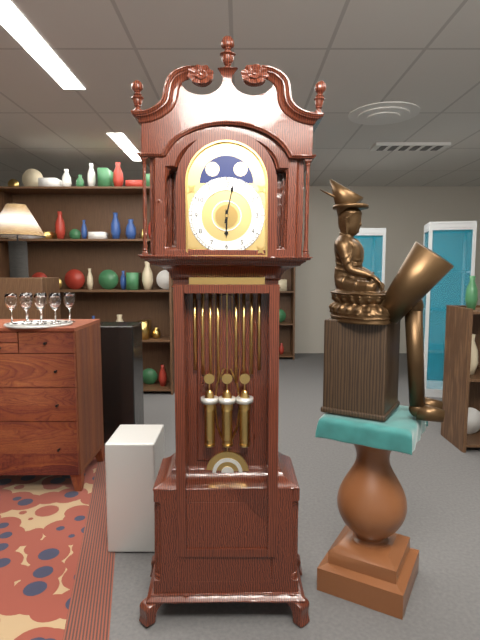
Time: {"hour": 6, "minute": 2}
